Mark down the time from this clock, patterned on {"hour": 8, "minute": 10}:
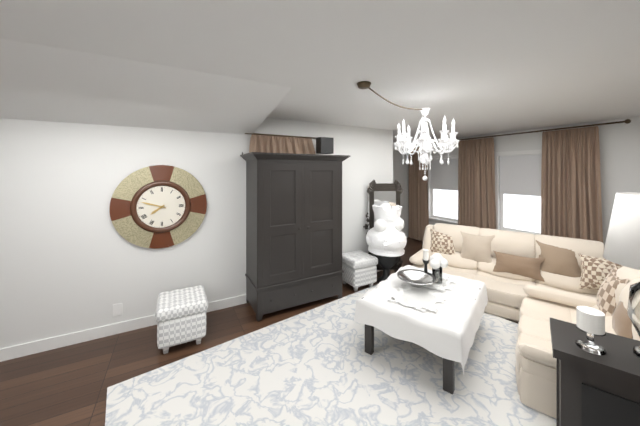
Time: {"hour": 7, "minute": 48}
